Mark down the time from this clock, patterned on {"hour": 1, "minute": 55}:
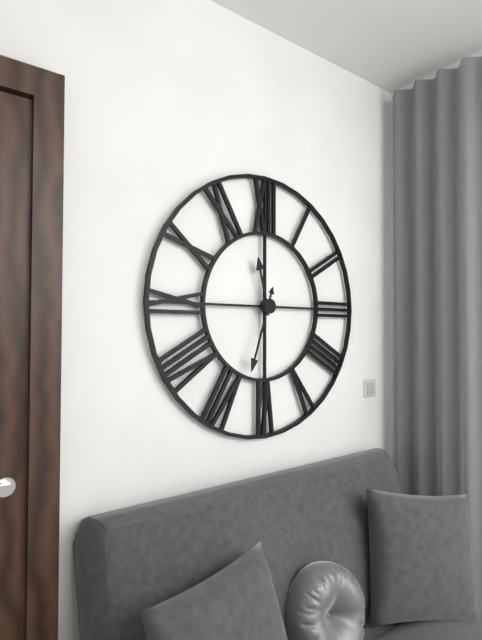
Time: {"hour": 11, "minute": 33}
